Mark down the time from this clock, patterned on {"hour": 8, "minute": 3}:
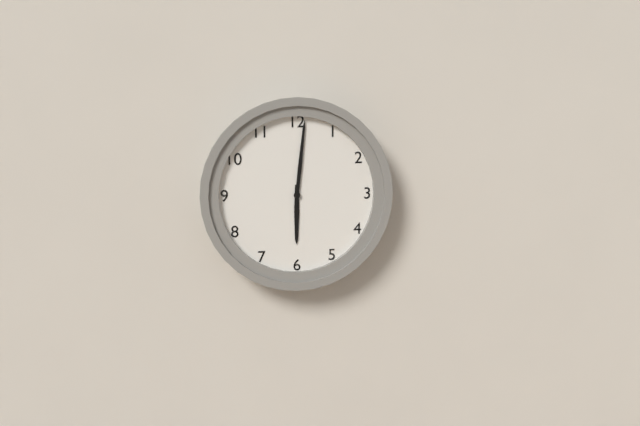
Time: {"hour": 6, "minute": 1}
